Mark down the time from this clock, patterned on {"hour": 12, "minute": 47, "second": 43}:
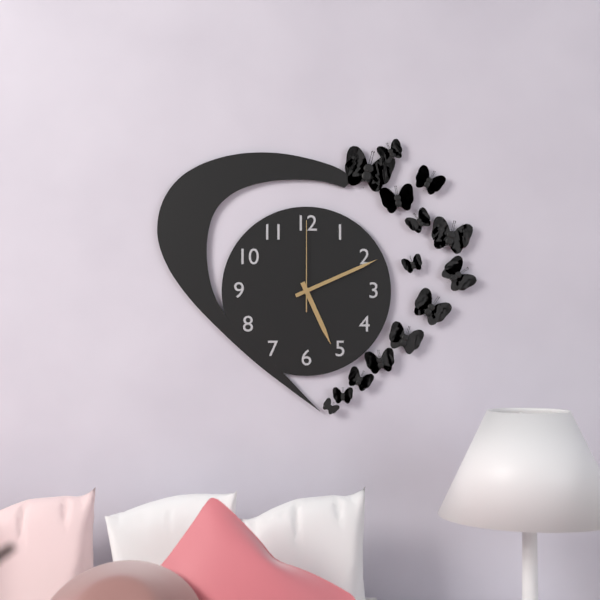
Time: {"hour": 5, "minute": 11, "second": 0}
